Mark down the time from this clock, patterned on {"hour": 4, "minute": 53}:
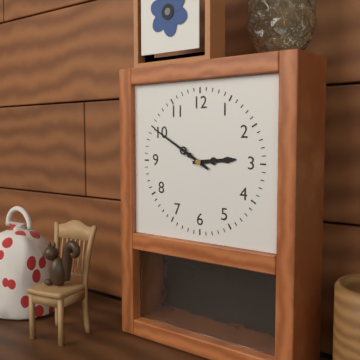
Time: {"hour": 2, "minute": 50}
